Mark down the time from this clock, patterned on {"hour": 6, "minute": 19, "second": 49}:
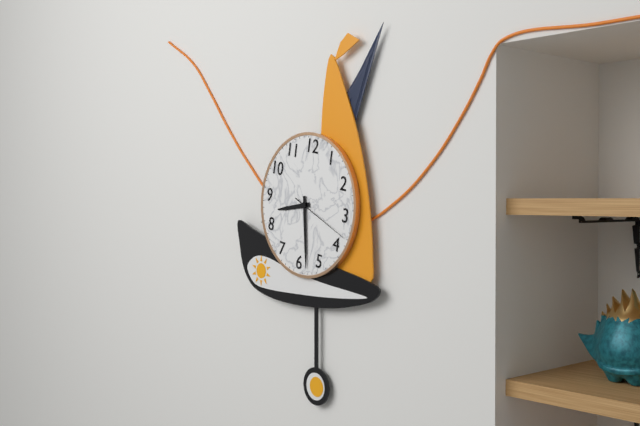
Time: {"hour": 8, "minute": 28, "second": 18}
